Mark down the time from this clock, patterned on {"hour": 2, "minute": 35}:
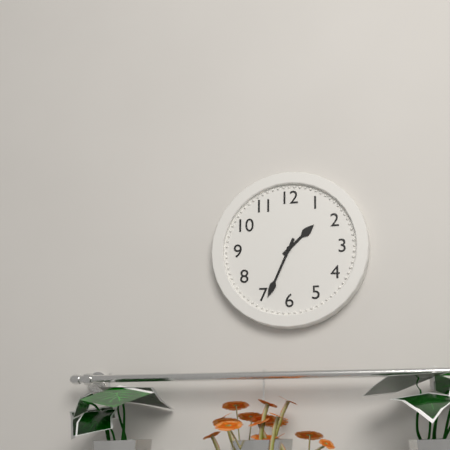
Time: {"hour": 1, "minute": 34}
